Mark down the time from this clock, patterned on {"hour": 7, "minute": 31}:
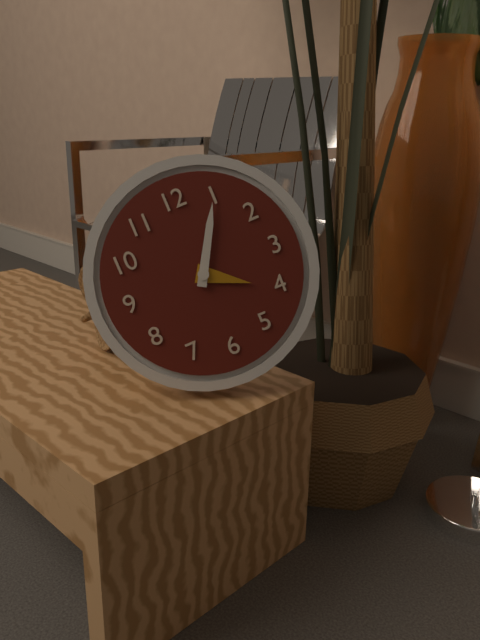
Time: {"hour": 4, "minute": 5}
